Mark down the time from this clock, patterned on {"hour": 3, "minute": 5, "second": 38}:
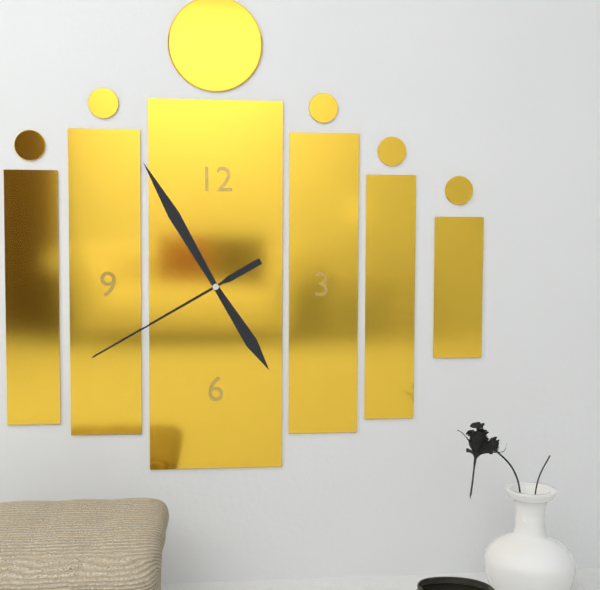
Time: {"hour": 4, "minute": 55, "second": 40}
